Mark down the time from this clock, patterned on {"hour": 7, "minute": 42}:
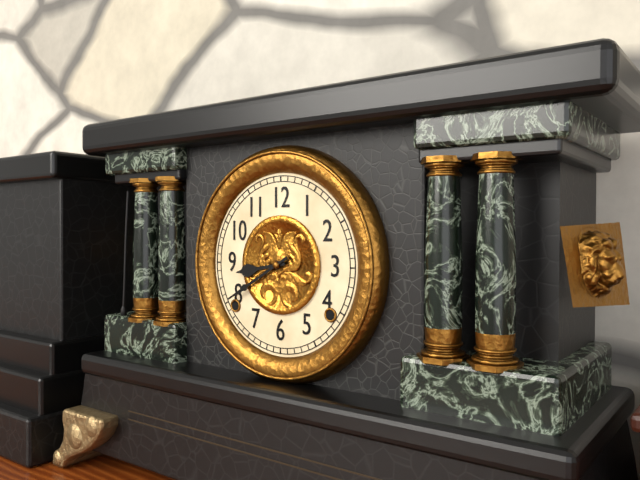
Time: {"hour": 8, "minute": 40}
